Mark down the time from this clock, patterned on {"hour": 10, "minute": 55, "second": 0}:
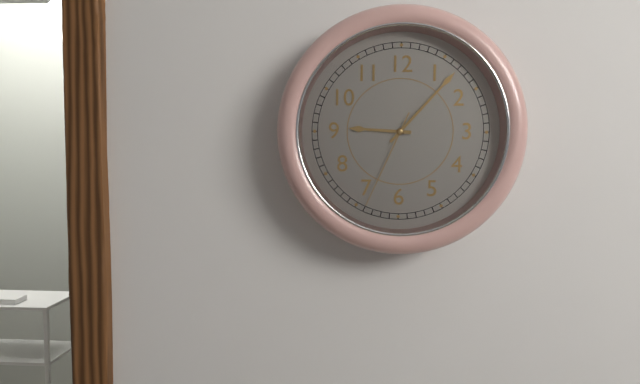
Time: {"hour": 9, "minute": 7, "second": 34}
